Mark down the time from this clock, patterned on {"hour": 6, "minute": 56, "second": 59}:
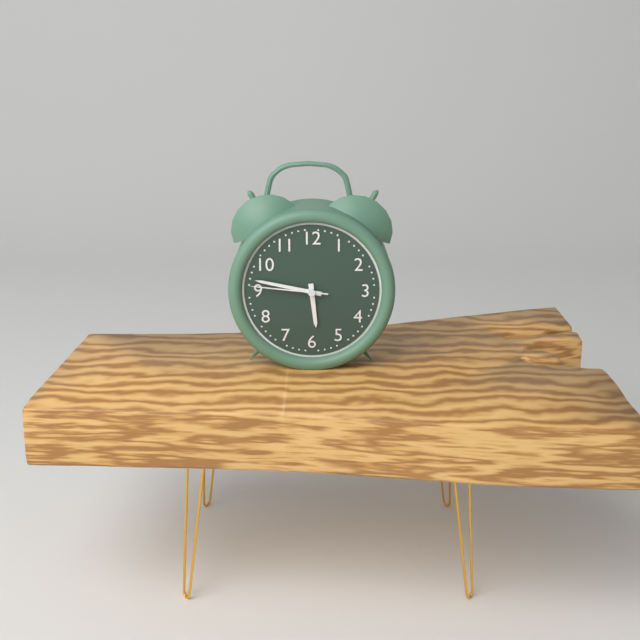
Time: {"hour": 5, "minute": 47, "second": 46}
